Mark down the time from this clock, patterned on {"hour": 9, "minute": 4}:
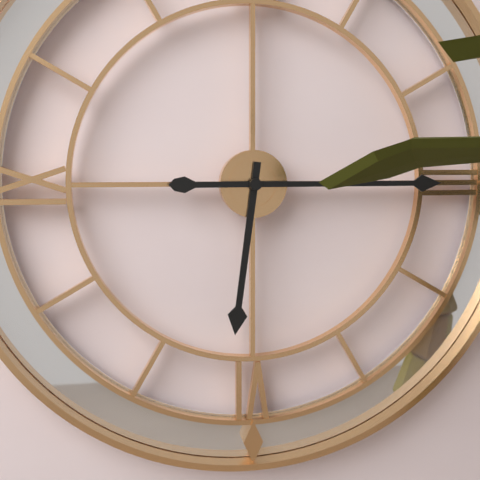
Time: {"hour": 6, "minute": 15}
